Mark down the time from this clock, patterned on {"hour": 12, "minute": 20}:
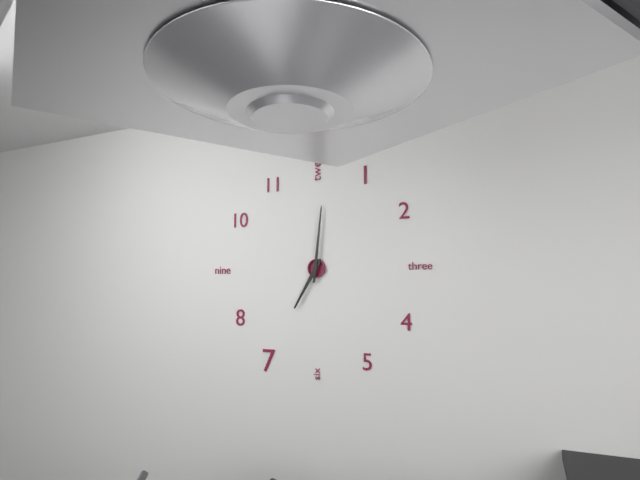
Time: {"hour": 7, "minute": 1}
